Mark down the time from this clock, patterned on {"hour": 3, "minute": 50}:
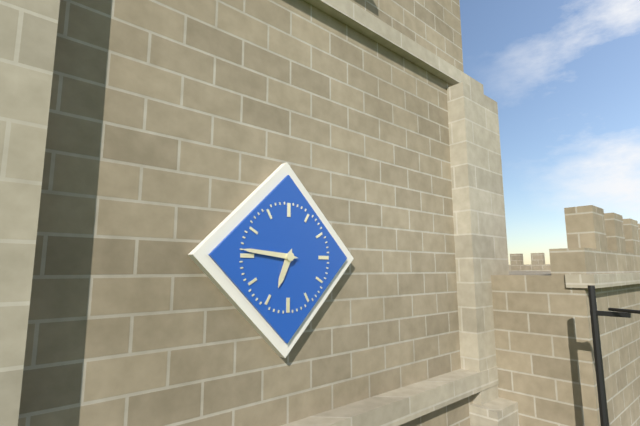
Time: {"hour": 6, "minute": 46}
